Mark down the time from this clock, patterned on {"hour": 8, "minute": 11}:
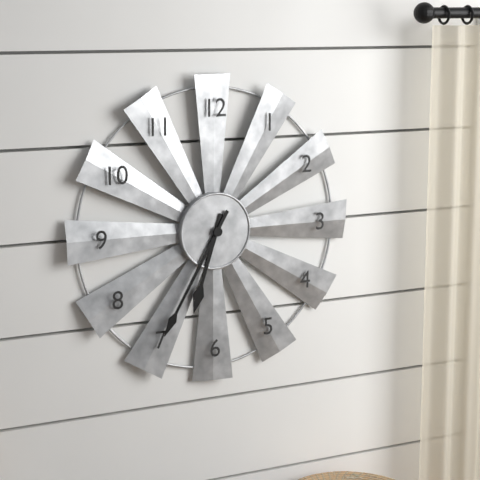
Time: {"hour": 6, "minute": 35}
